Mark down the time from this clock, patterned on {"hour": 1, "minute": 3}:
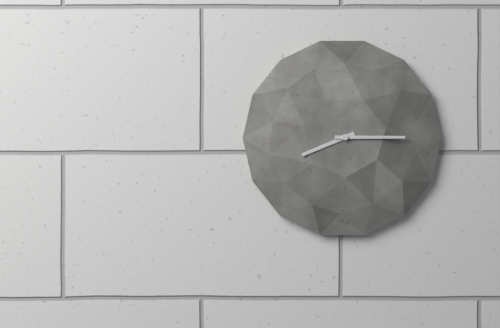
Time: {"hour": 8, "minute": 15}
